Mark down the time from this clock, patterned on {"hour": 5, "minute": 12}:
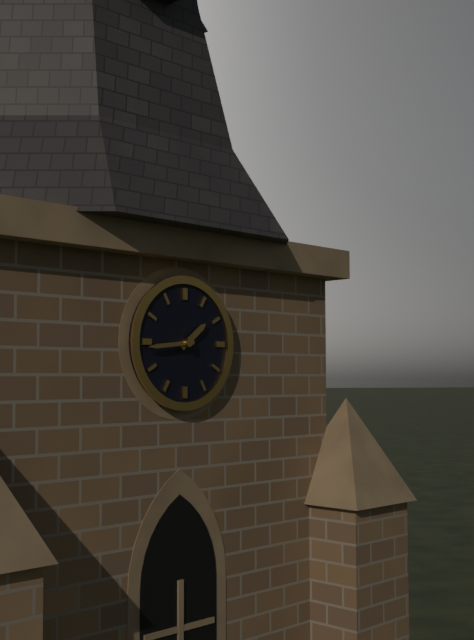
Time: {"hour": 1, "minute": 44}
